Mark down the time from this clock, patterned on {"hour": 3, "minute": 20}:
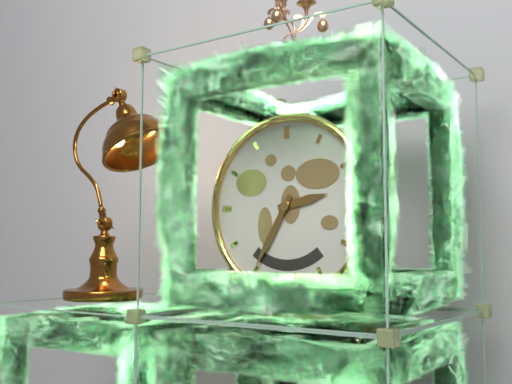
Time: {"hour": 2, "minute": 35}
